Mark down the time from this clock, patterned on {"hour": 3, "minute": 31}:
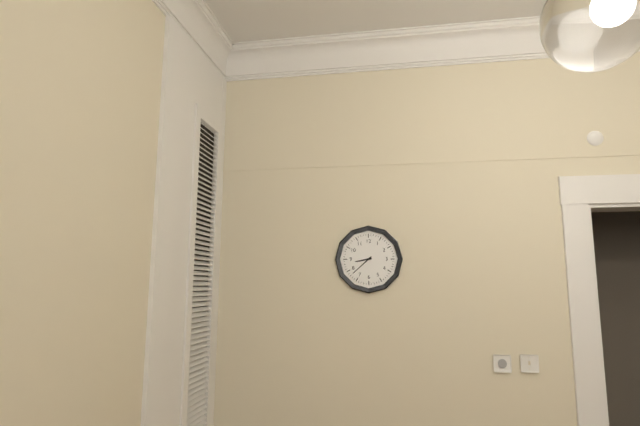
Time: {"hour": 8, "minute": 38}
